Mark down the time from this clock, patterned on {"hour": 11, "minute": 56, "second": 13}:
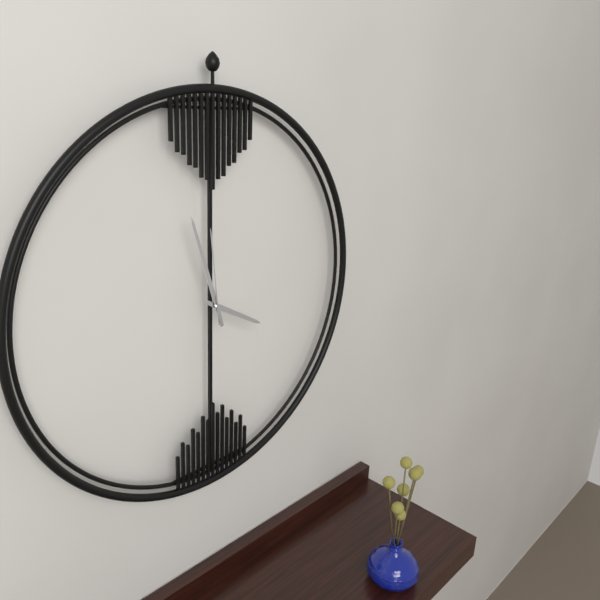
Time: {"hour": 3, "minute": 57, "second": 59}
